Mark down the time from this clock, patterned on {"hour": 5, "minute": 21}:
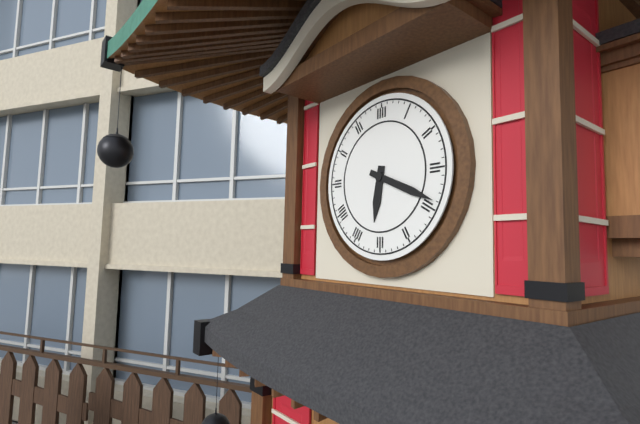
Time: {"hour": 6, "minute": 19}
